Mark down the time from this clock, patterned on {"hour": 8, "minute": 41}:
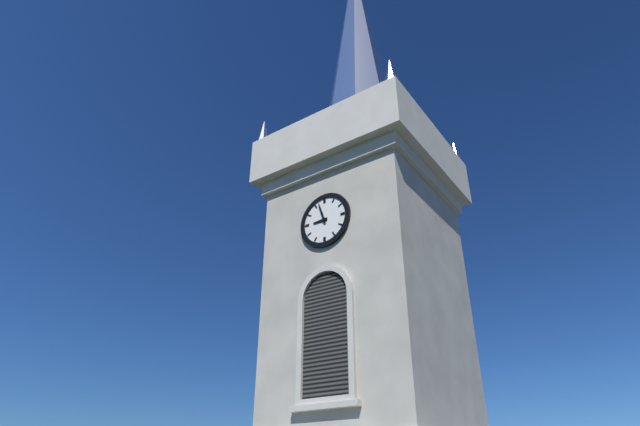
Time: {"hour": 8, "minute": 57}
